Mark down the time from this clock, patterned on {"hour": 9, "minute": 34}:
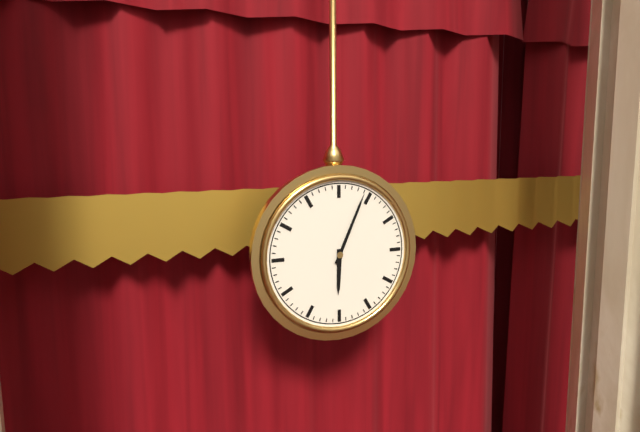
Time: {"hour": 6, "minute": 4}
